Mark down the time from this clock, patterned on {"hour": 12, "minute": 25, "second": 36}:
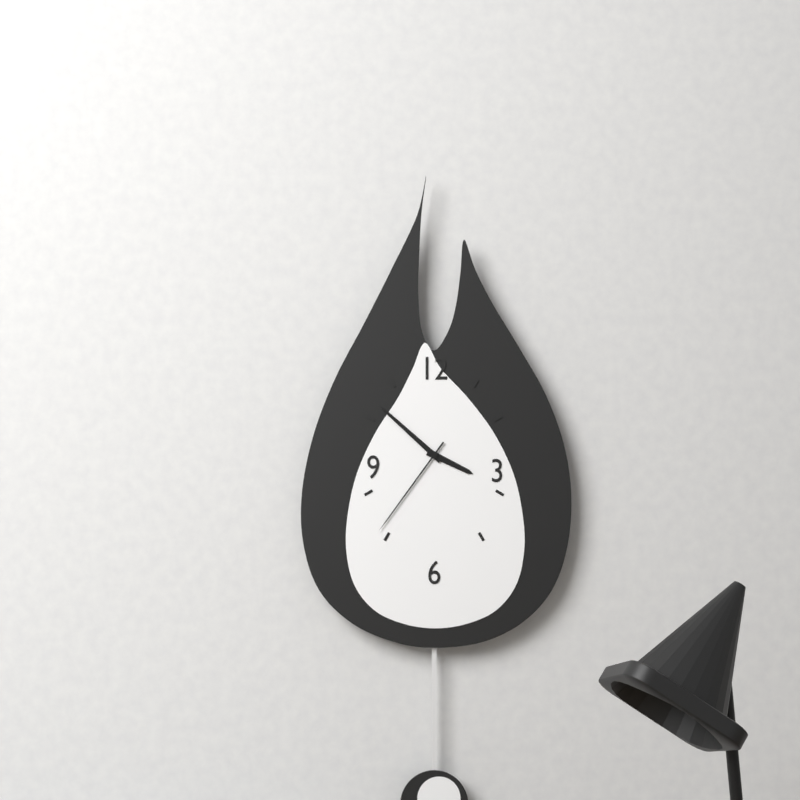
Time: {"hour": 3, "minute": 52, "second": 36}
